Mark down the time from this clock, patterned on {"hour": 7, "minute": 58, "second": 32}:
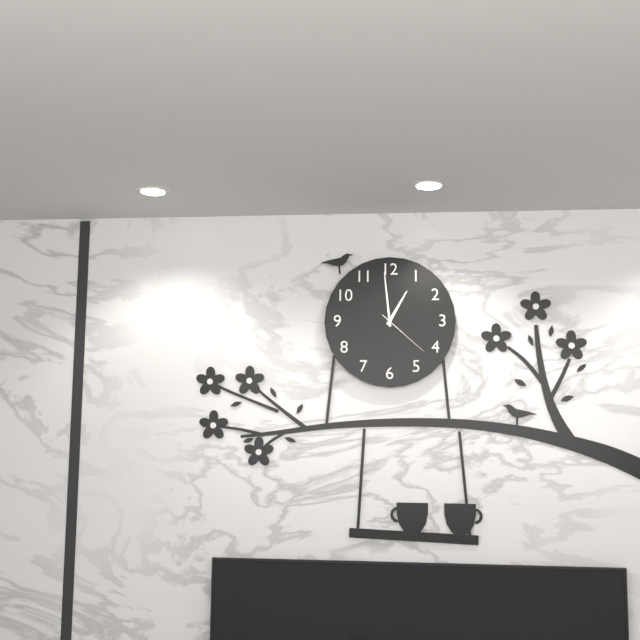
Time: {"hour": 12, "minute": 59, "second": 22}
